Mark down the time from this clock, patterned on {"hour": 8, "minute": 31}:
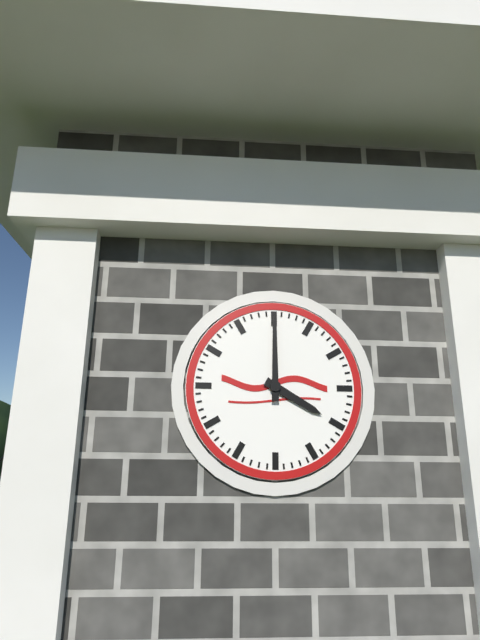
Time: {"hour": 4, "minute": 0}
